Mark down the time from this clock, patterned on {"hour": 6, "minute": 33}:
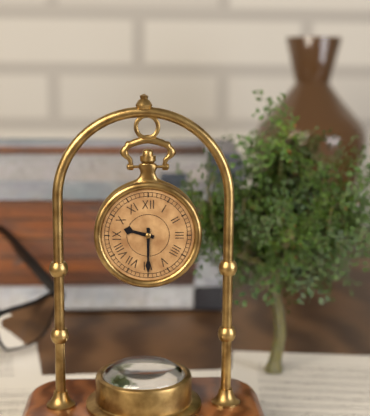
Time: {"hour": 9, "minute": 30}
